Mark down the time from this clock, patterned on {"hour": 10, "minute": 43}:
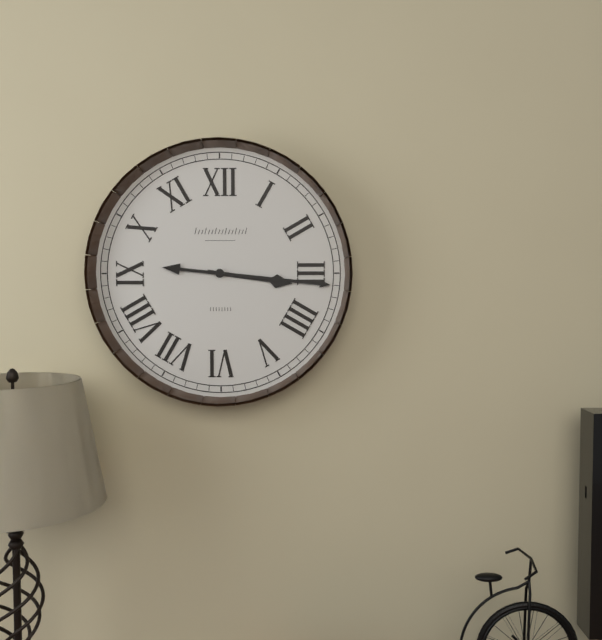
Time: {"hour": 3, "minute": 16}
